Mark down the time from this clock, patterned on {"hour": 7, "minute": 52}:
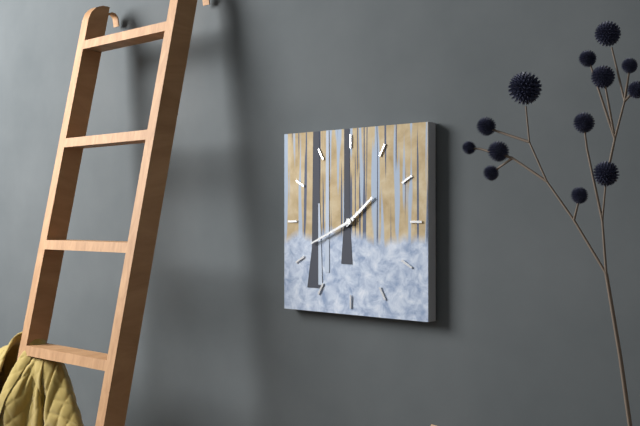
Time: {"hour": 1, "minute": 41}
